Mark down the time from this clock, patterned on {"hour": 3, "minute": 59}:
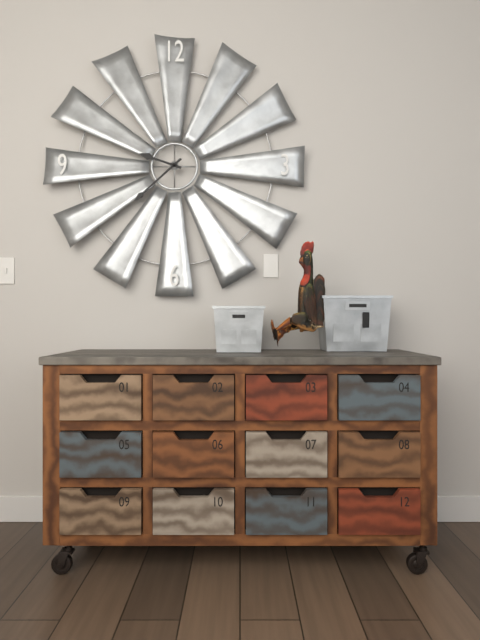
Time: {"hour": 9, "minute": 38}
